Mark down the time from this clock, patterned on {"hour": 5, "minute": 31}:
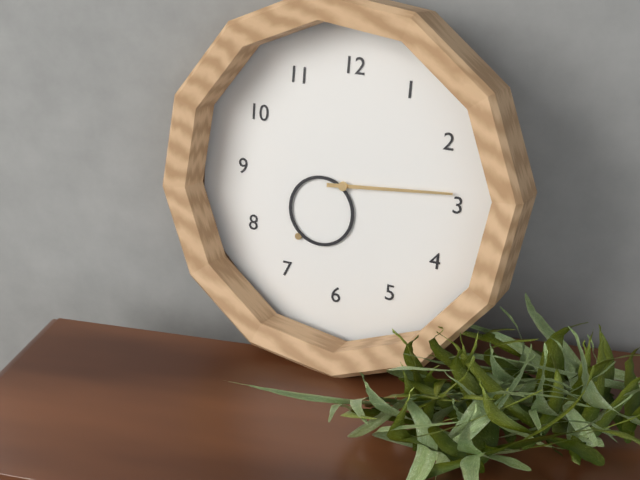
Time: {"hour": 7, "minute": 14}
